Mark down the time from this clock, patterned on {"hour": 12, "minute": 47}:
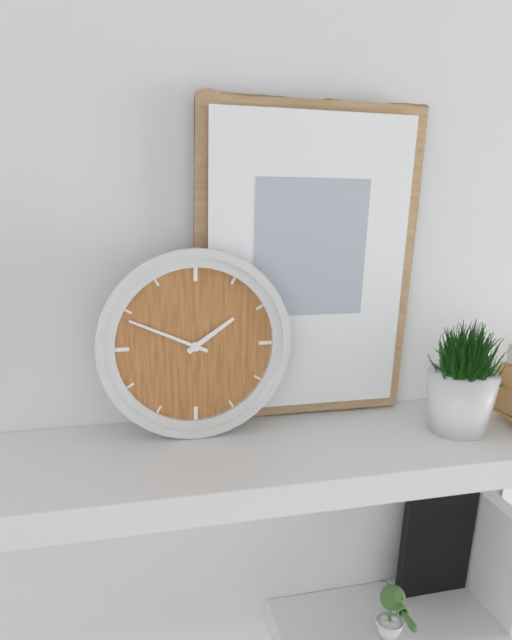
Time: {"hour": 1, "minute": 49}
